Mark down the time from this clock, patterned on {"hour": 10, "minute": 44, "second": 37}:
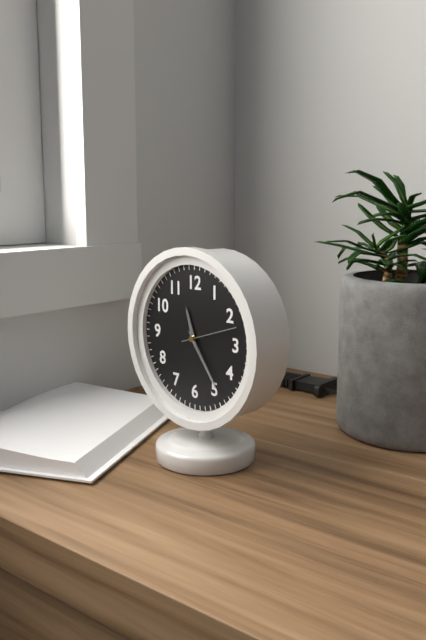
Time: {"hour": 11, "minute": 24, "second": 12}
